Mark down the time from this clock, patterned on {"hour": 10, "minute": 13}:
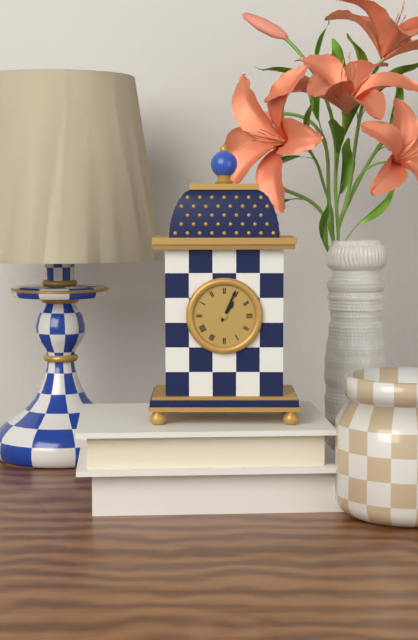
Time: {"hour": 1, "minute": 4}
